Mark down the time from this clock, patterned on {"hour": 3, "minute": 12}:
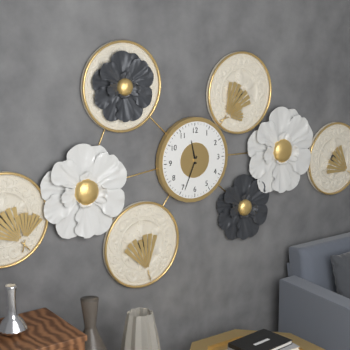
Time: {"hour": 11, "minute": 34}
